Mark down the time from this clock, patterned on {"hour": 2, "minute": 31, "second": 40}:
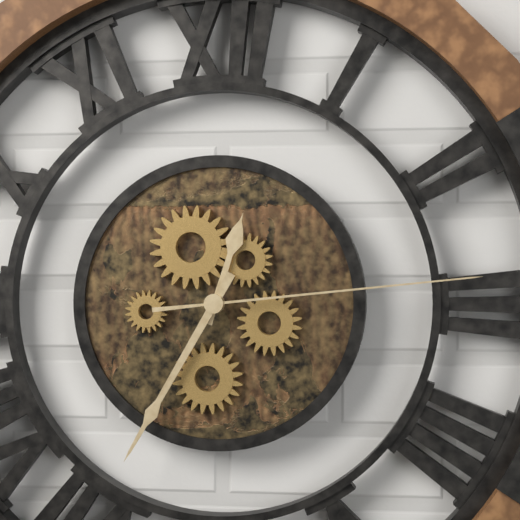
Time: {"hour": 12, "minute": 35, "second": 14}
